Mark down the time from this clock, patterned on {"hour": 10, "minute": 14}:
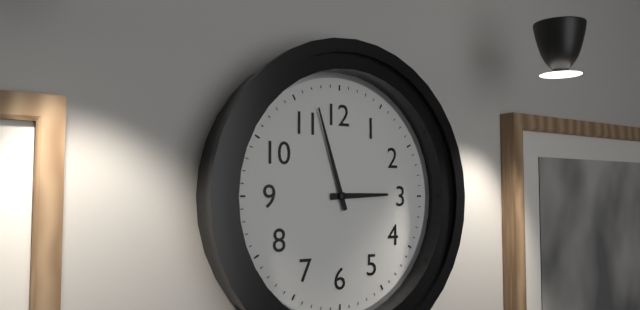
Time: {"hour": 2, "minute": 57}
